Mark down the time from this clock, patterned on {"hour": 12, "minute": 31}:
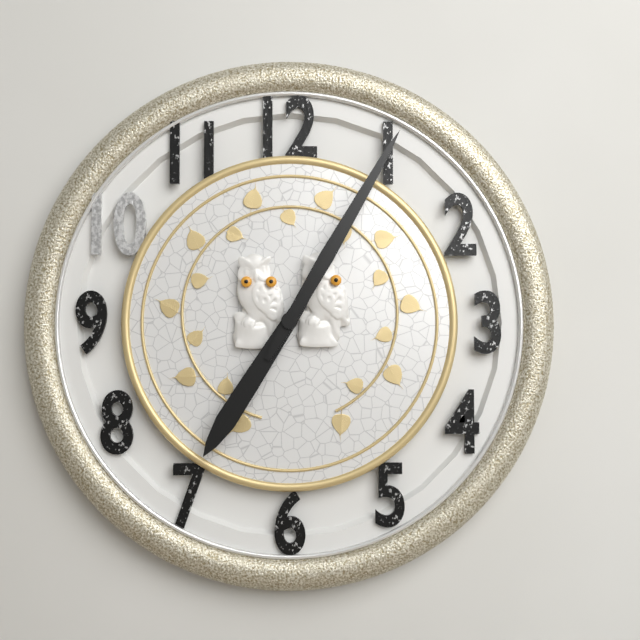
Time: {"hour": 7, "minute": 5}
